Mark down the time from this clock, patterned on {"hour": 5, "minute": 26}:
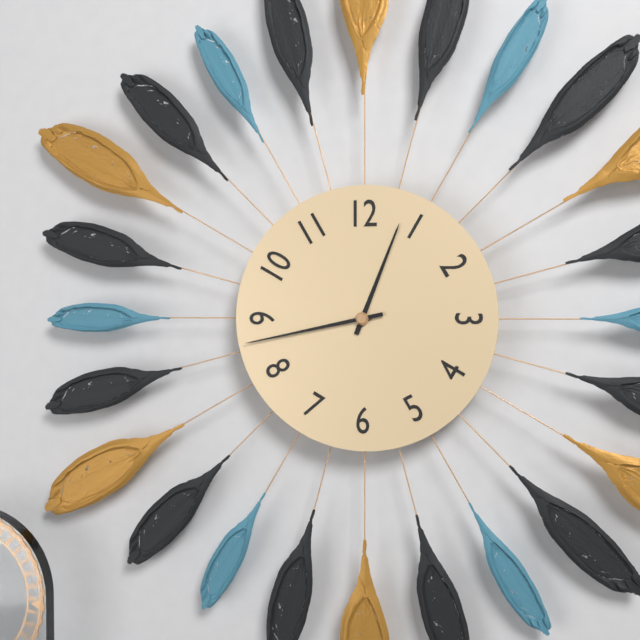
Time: {"hour": 12, "minute": 43}
